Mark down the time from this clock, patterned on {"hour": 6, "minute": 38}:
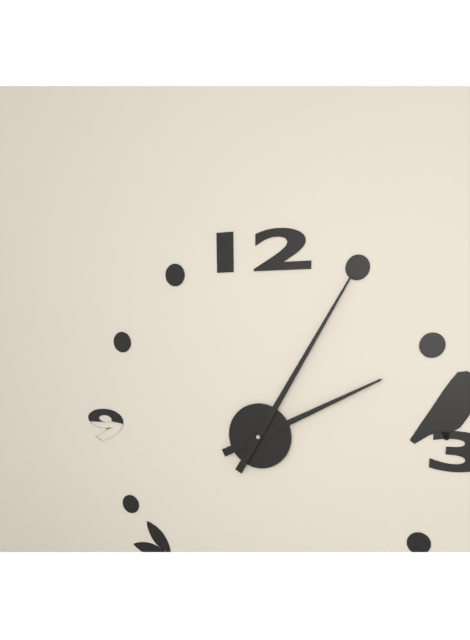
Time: {"hour": 2, "minute": 5}
